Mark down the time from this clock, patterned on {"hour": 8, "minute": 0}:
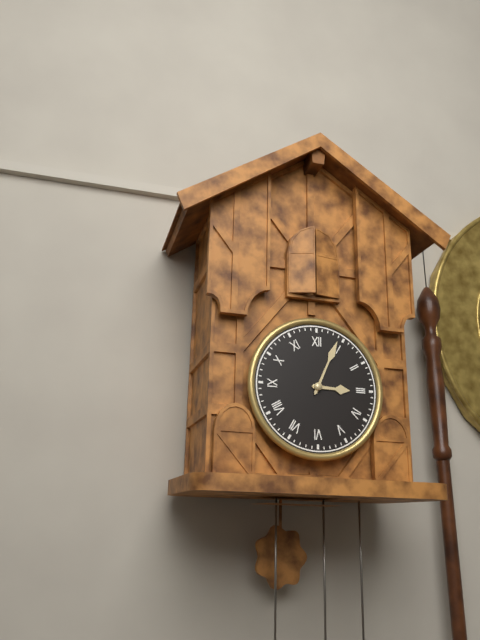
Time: {"hour": 3, "minute": 4}
